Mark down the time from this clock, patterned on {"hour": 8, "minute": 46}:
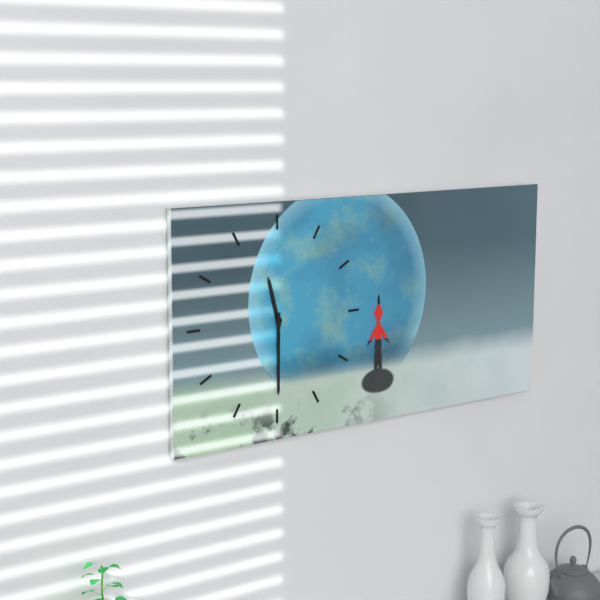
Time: {"hour": 11, "minute": 30}
